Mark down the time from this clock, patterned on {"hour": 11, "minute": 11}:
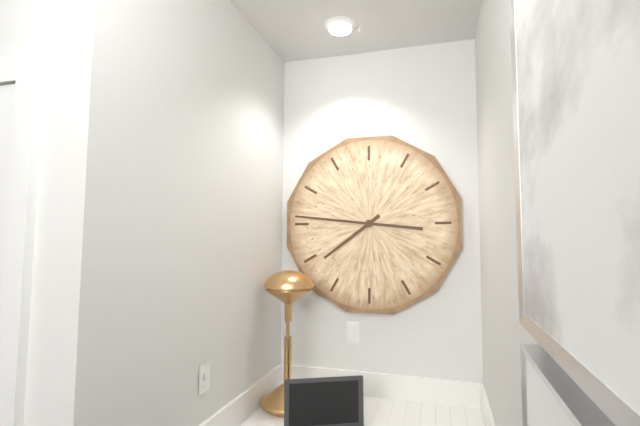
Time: {"hour": 7, "minute": 46}
